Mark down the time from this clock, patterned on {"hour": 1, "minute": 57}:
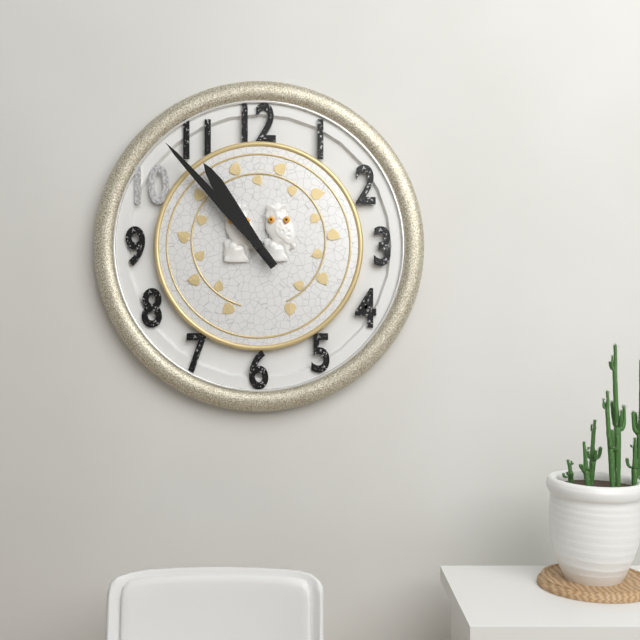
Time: {"hour": 10, "minute": 53}
